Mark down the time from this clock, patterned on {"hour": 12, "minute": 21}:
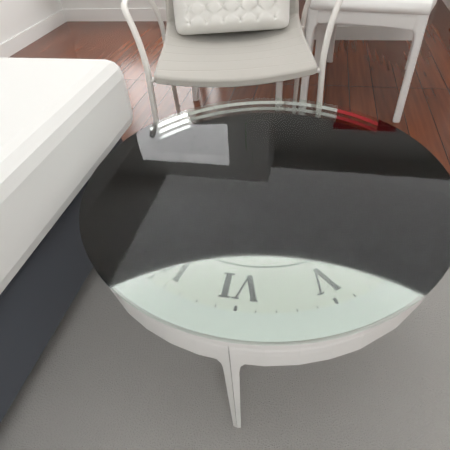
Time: {"hour": 1, "minute": 15}
